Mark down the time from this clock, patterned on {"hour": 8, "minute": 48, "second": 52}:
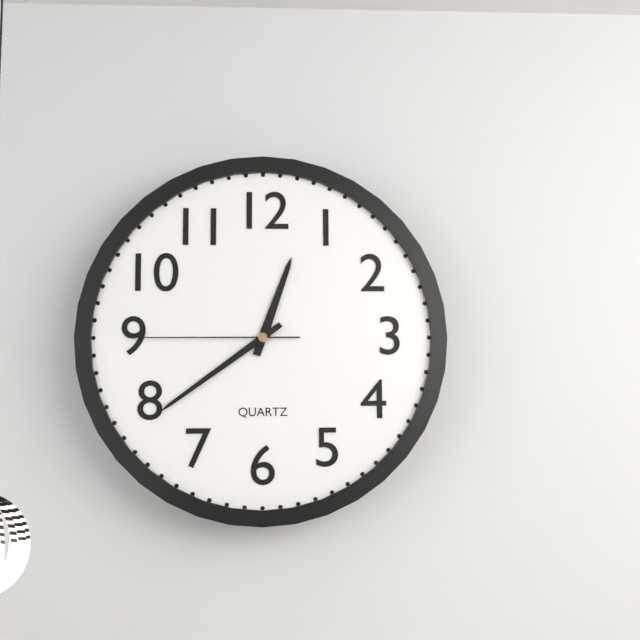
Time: {"hour": 12, "minute": 39, "second": 45}
